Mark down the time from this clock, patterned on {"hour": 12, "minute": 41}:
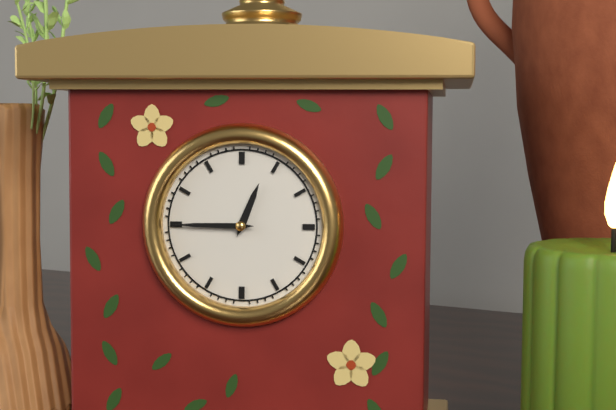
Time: {"hour": 12, "minute": 45}
